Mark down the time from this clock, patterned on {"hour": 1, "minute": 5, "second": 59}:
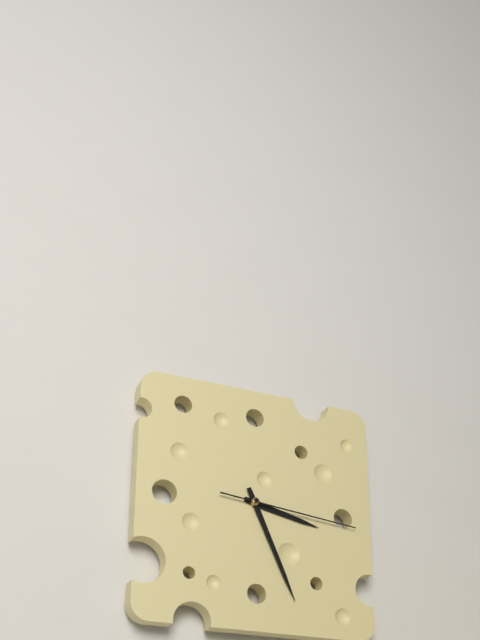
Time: {"hour": 3, "minute": 26, "second": 16}
